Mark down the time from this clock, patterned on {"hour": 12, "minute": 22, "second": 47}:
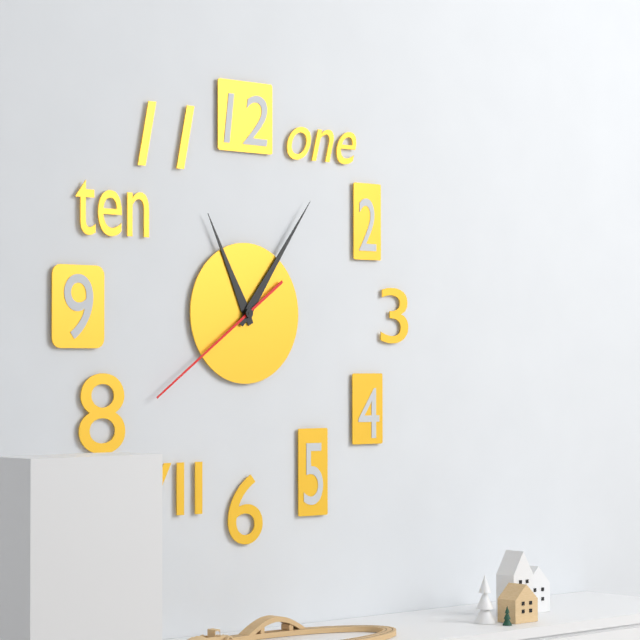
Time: {"hour": 11, "minute": 6, "second": 39}
